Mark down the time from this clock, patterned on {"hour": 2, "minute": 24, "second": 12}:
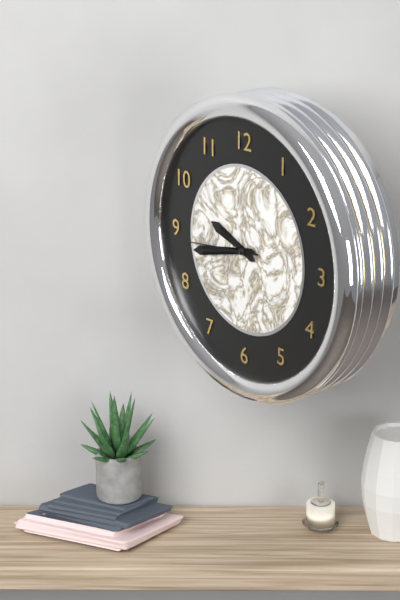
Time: {"hour": 9, "minute": 43, "second": 44}
